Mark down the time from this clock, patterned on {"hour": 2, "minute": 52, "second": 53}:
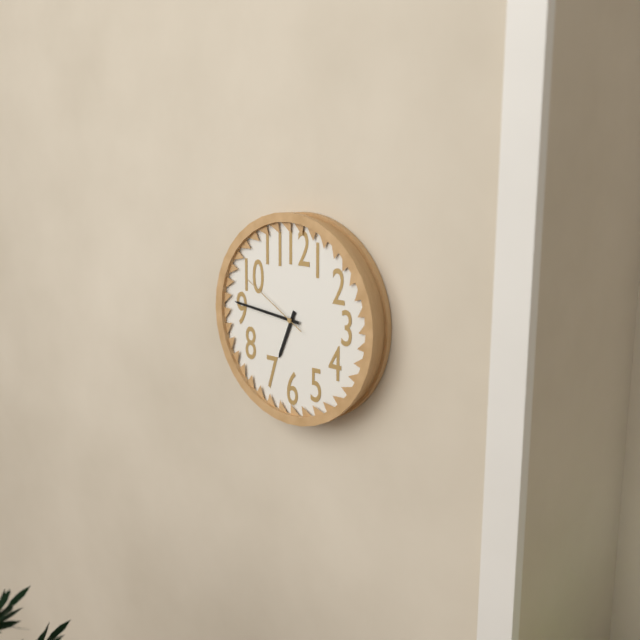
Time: {"hour": 6, "minute": 46, "second": 50}
